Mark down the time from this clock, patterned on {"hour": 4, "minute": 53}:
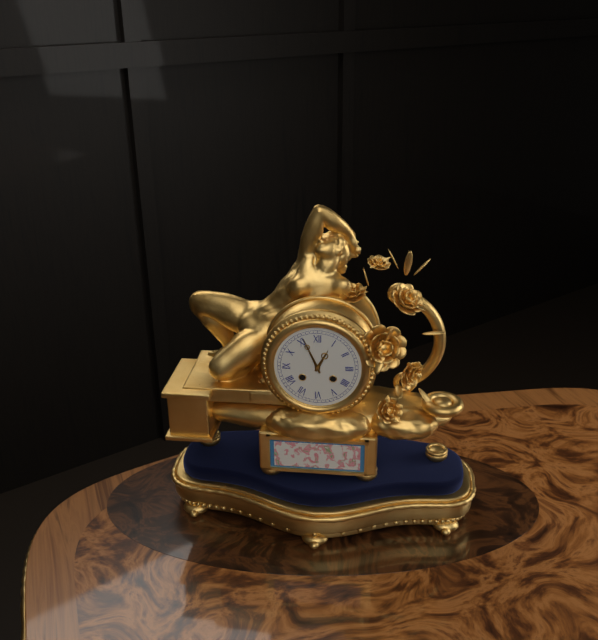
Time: {"hour": 12, "minute": 56}
